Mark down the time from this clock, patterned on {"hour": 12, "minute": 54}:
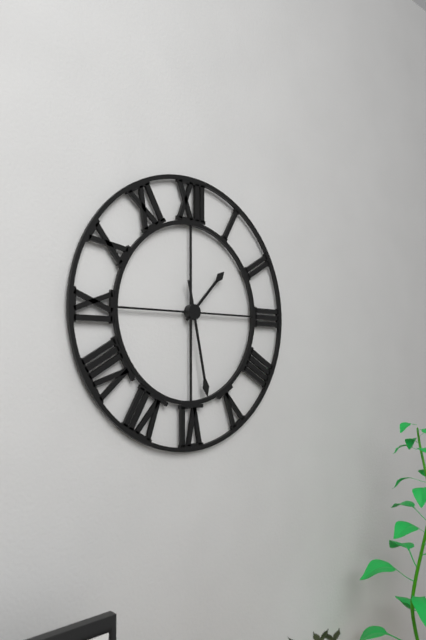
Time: {"hour": 1, "minute": 28}
